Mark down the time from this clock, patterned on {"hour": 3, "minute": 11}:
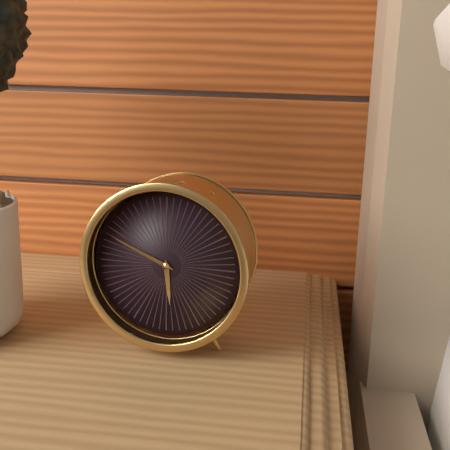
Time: {"hour": 5, "minute": 49}
